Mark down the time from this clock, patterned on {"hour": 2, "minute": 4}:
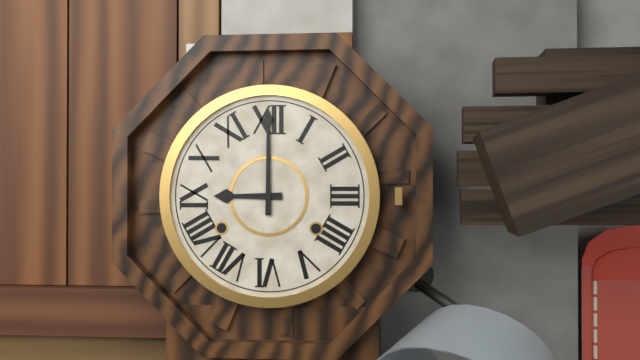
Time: {"hour": 9, "minute": 0}
